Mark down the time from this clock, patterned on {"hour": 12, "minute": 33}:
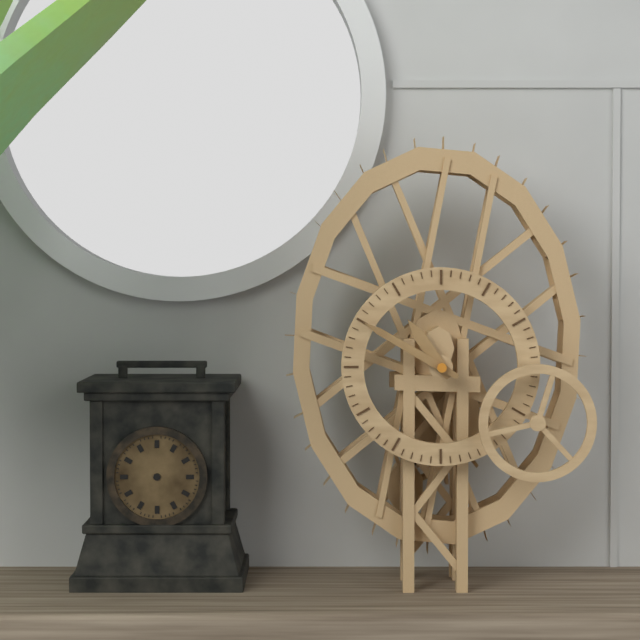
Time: {"hour": 10, "minute": 50}
